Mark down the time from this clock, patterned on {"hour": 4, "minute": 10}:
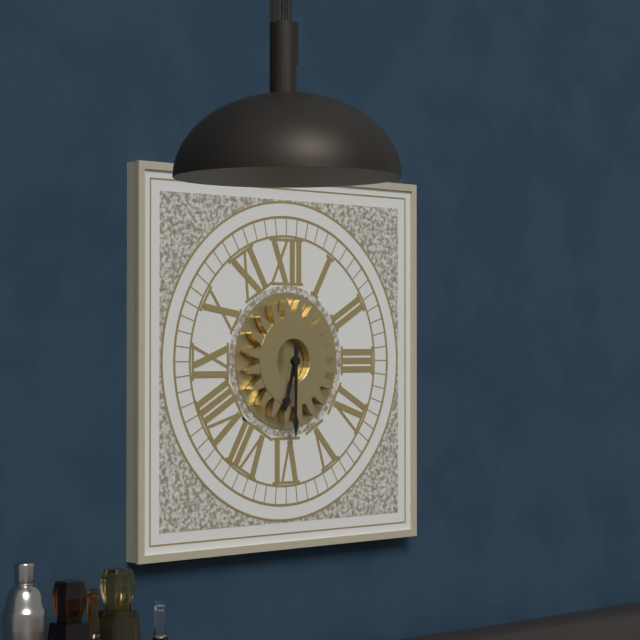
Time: {"hour": 6, "minute": 30}
